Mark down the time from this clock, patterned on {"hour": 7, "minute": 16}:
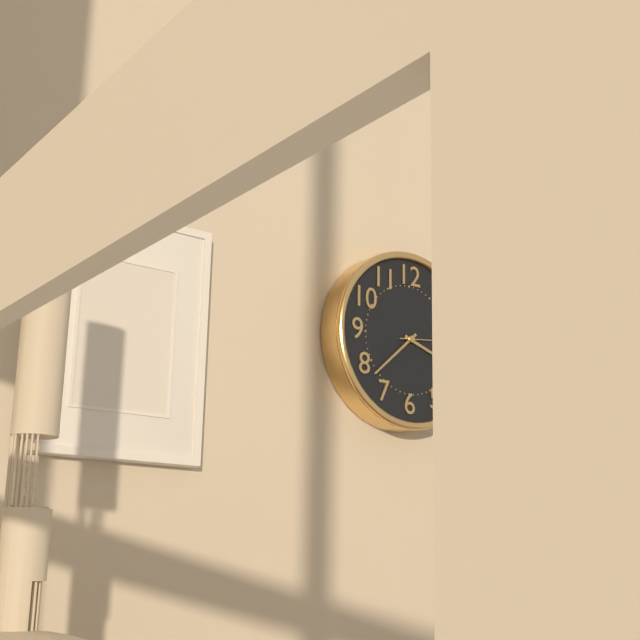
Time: {"hour": 3, "minute": 38}
